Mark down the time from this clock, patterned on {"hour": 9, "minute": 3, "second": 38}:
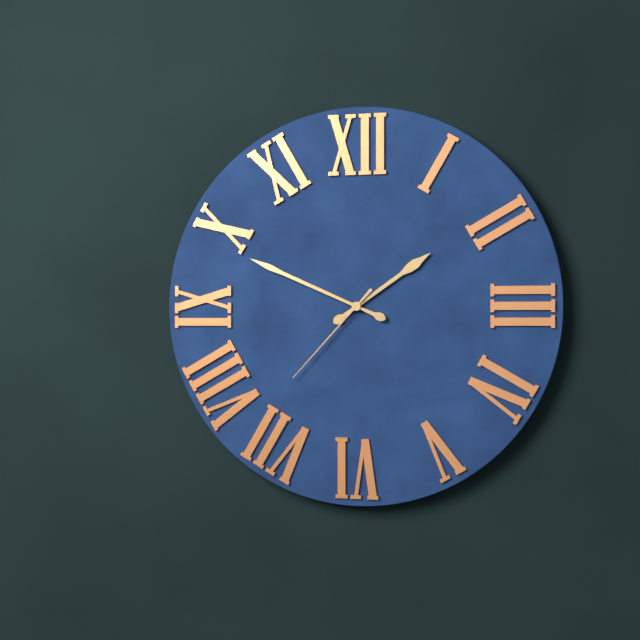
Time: {"hour": 1, "minute": 49, "second": 37}
